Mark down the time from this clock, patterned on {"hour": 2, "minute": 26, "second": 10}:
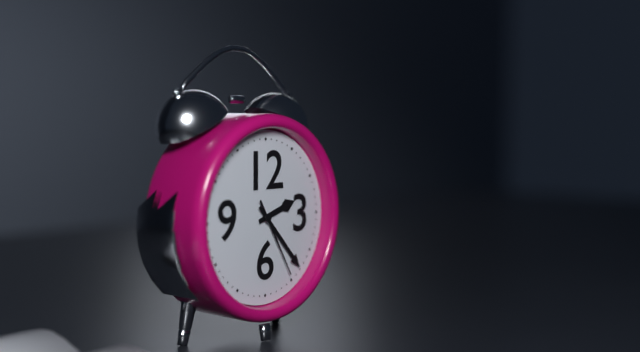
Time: {"hour": 2, "minute": 23, "second": 25}
